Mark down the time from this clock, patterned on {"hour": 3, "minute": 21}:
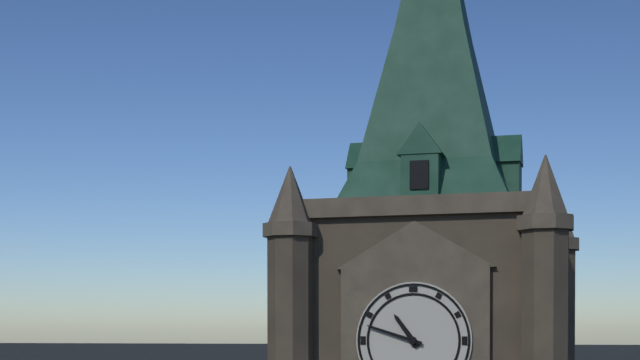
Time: {"hour": 10, "minute": 48}
